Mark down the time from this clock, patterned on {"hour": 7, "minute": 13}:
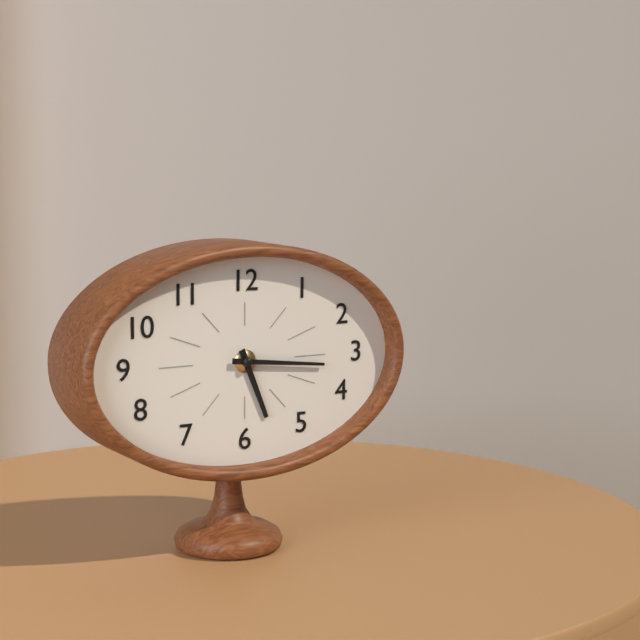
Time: {"hour": 5, "minute": 16}
